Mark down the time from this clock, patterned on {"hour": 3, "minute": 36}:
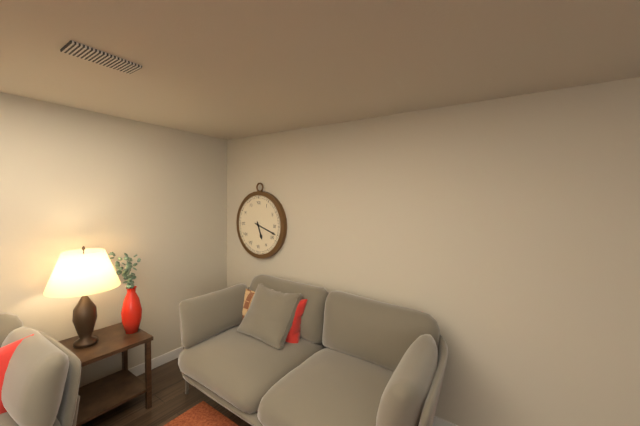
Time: {"hour": 5, "minute": 18}
